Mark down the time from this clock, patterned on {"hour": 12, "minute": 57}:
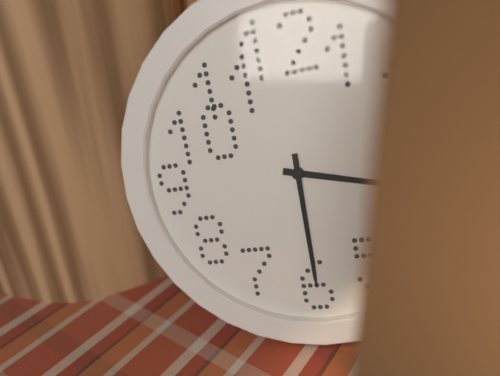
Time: {"hour": 3, "minute": 30}
